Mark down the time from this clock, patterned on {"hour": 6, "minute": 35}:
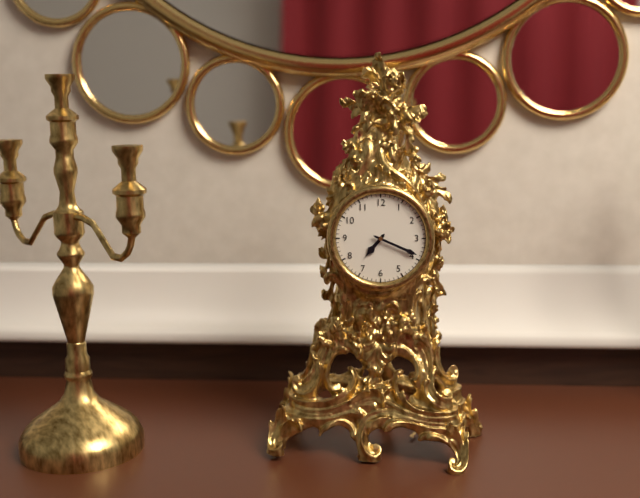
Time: {"hour": 7, "minute": 19}
